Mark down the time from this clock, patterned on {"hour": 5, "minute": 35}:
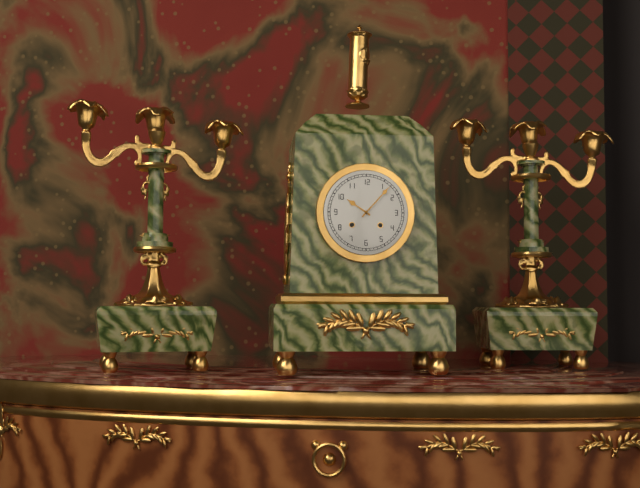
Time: {"hour": 10, "minute": 7}
